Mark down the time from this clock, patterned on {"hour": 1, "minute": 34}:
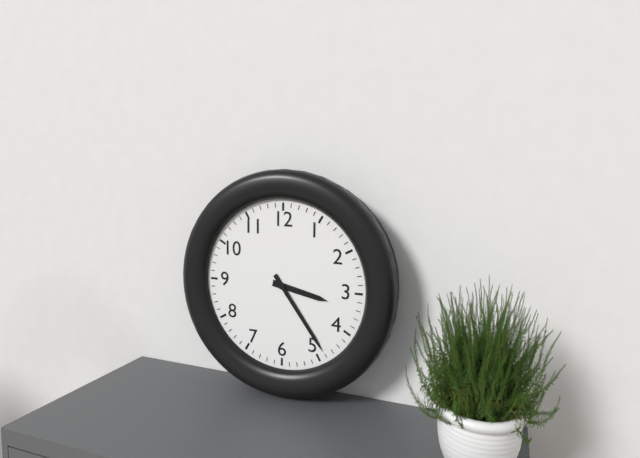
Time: {"hour": 3, "minute": 24}
